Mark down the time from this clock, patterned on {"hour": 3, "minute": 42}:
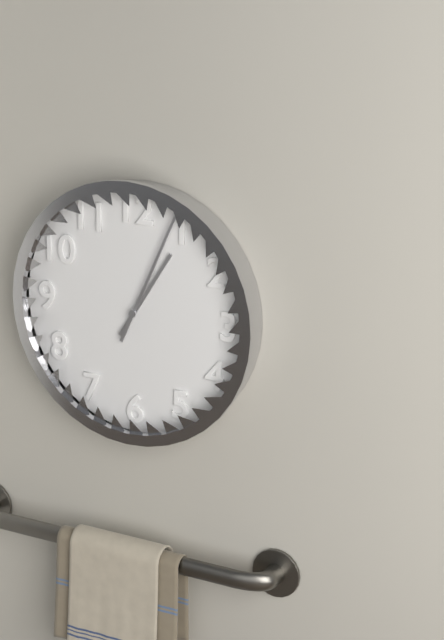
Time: {"hour": 1, "minute": 4}
